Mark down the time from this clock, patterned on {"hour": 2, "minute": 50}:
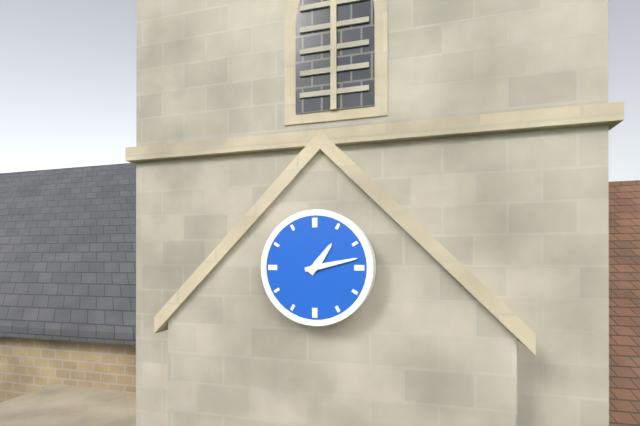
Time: {"hour": 1, "minute": 13}
